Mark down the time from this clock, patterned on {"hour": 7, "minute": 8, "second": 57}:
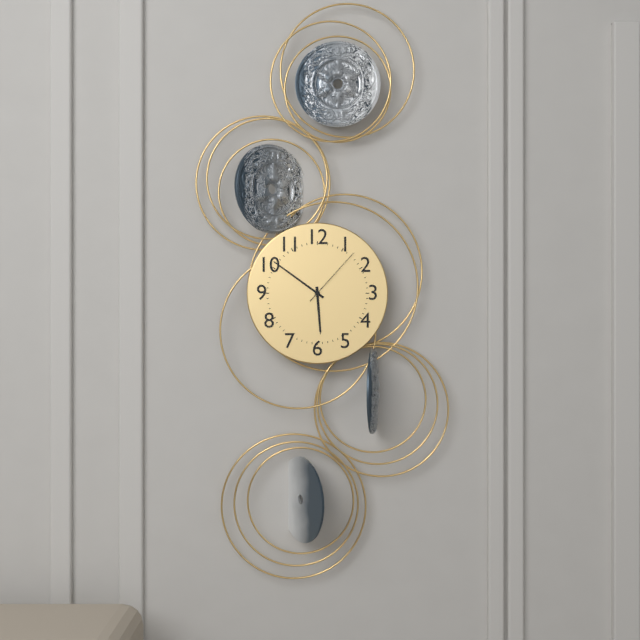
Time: {"hour": 5, "minute": 51, "second": 7}
